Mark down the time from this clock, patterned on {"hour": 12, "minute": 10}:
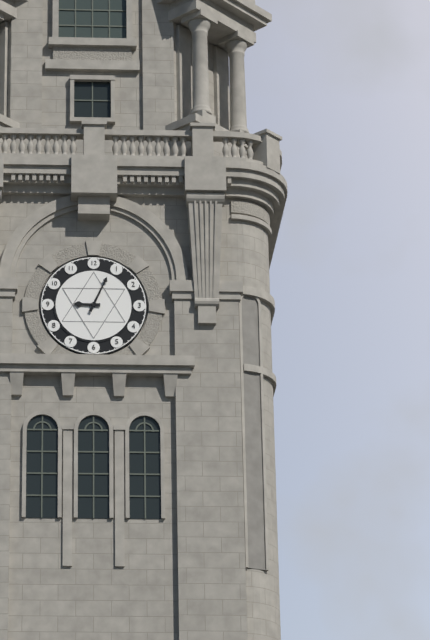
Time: {"hour": 9, "minute": 4}
